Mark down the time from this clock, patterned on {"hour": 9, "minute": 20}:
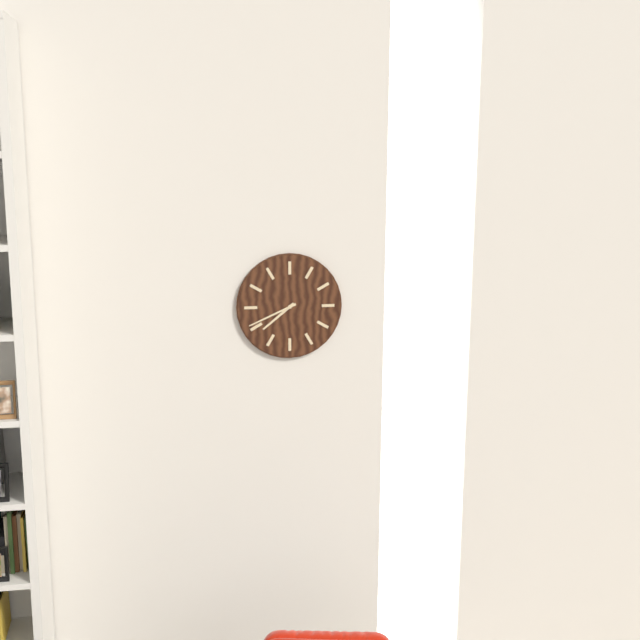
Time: {"hour": 7, "minute": 41}
